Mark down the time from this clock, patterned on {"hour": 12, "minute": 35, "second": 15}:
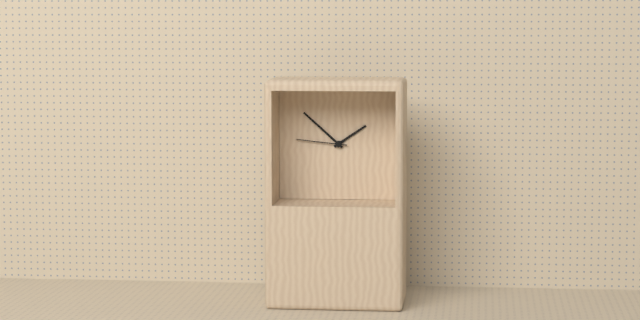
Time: {"hour": 1, "minute": 52, "second": 46}
